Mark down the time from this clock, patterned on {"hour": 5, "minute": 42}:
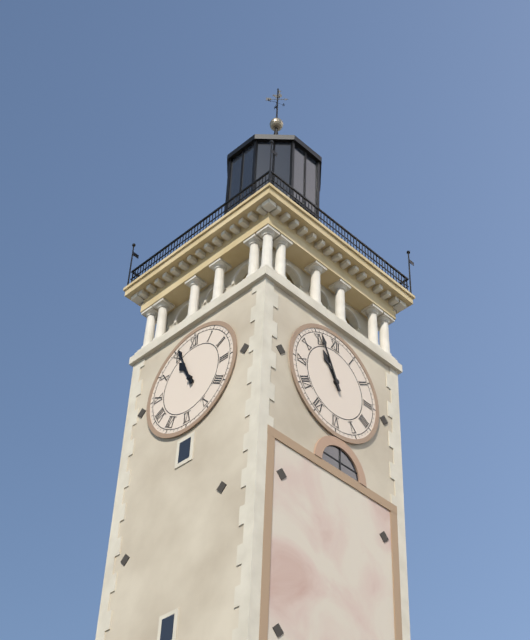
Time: {"hour": 10, "minute": 56}
